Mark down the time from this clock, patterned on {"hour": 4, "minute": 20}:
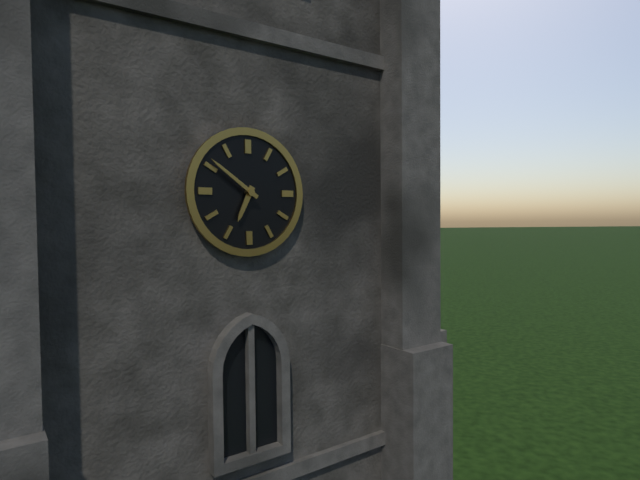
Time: {"hour": 6, "minute": 51}
